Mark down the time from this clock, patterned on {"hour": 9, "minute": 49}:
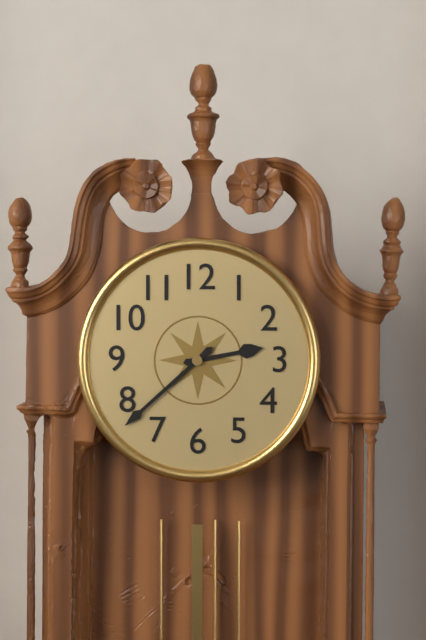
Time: {"hour": 2, "minute": 38}
